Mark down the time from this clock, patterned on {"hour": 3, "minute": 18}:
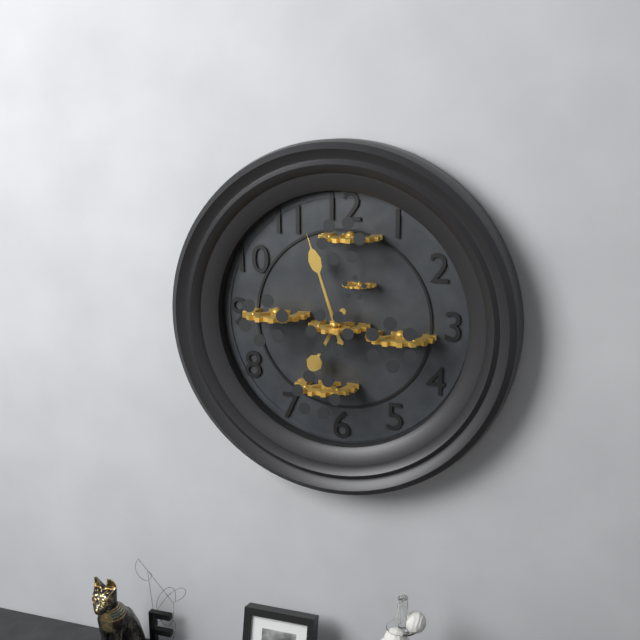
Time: {"hour": 6, "minute": 57}
